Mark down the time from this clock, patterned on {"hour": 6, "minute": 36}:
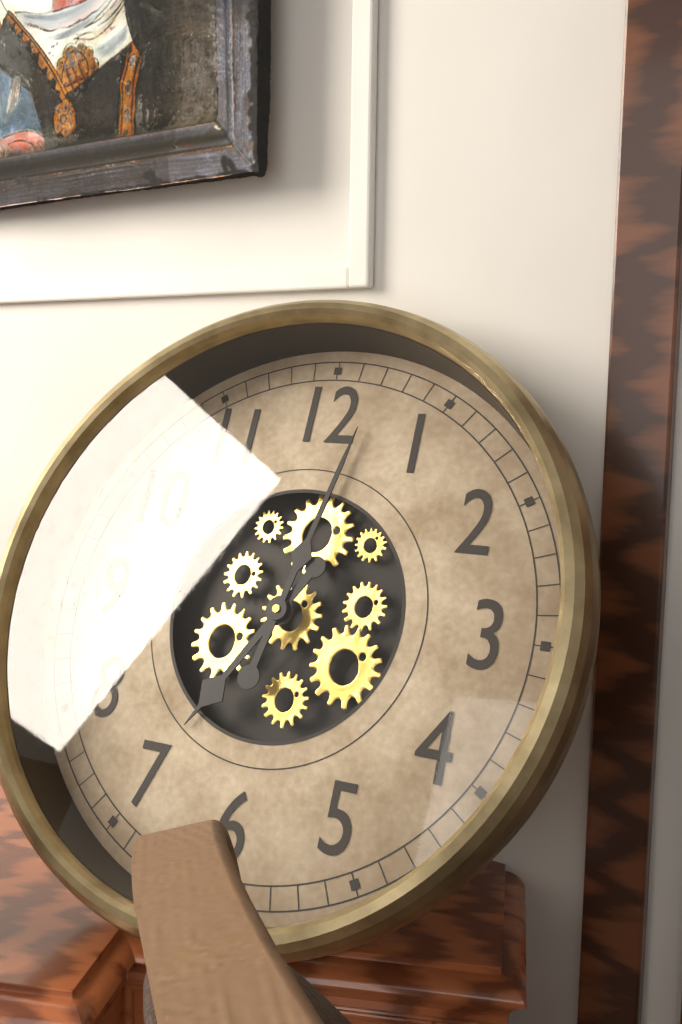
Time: {"hour": 7, "minute": 2}
